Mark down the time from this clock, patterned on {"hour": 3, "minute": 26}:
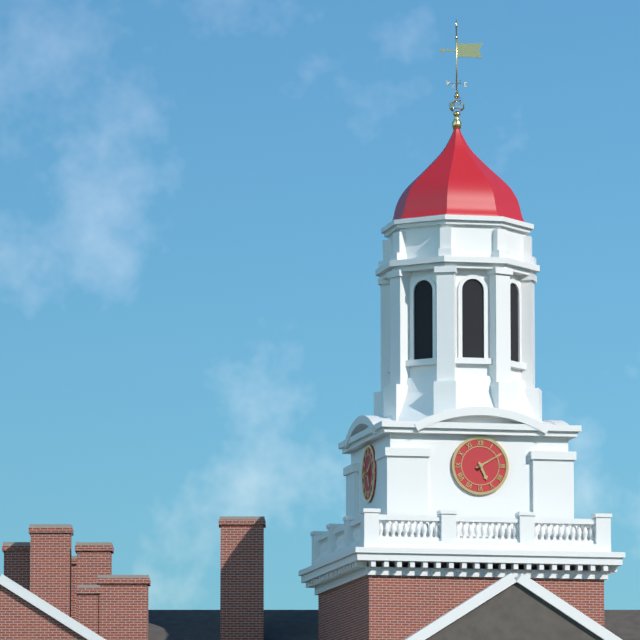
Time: {"hour": 5, "minute": 10}
